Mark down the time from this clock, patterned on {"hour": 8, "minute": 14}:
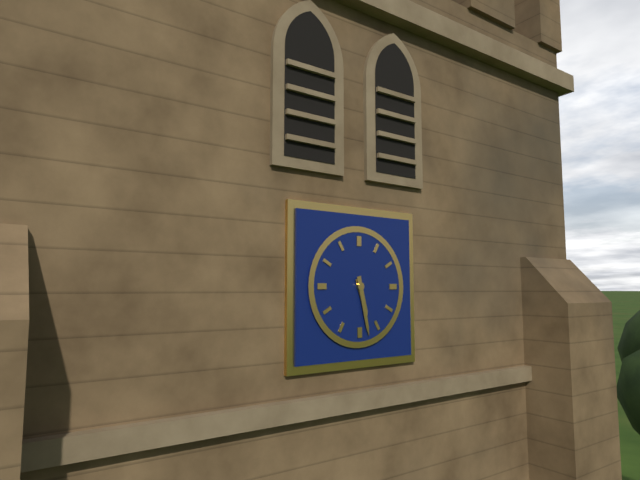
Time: {"hour": 5, "minute": 28}
